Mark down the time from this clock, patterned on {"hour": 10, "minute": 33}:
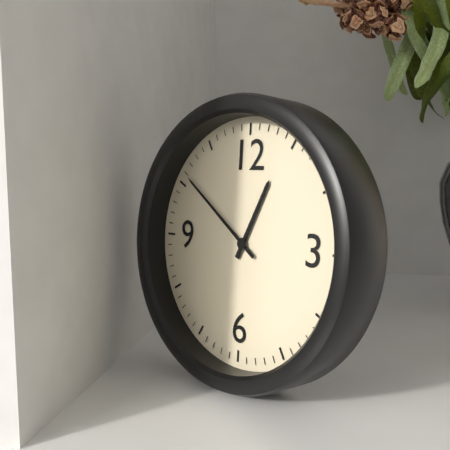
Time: {"hour": 12, "minute": 51}
